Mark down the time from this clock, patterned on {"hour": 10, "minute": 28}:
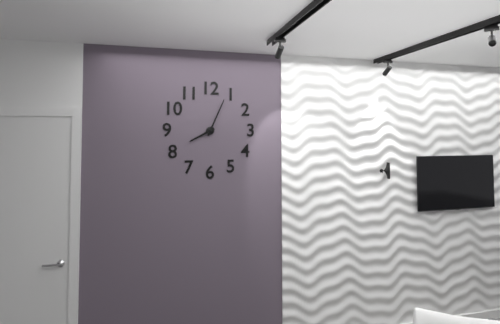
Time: {"hour": 8, "minute": 4}
